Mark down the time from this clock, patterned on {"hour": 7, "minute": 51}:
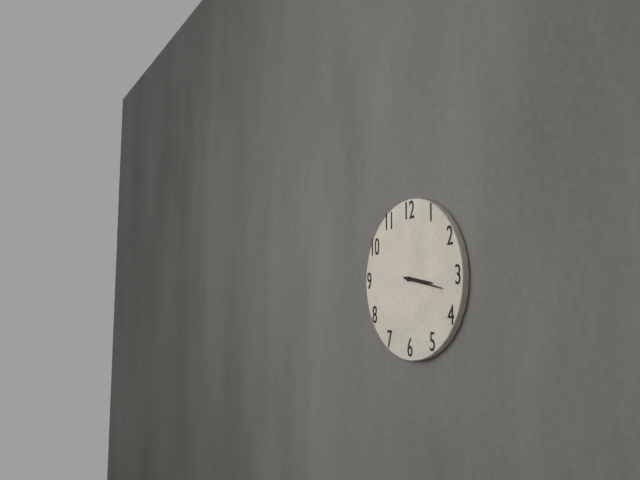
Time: {"hour": 3, "minute": 17}
